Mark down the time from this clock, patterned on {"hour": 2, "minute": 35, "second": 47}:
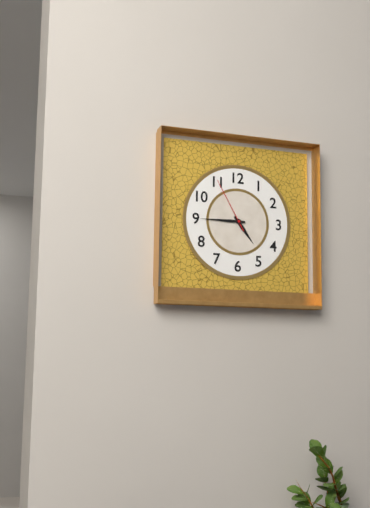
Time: {"hour": 4, "minute": 45, "second": 55}
